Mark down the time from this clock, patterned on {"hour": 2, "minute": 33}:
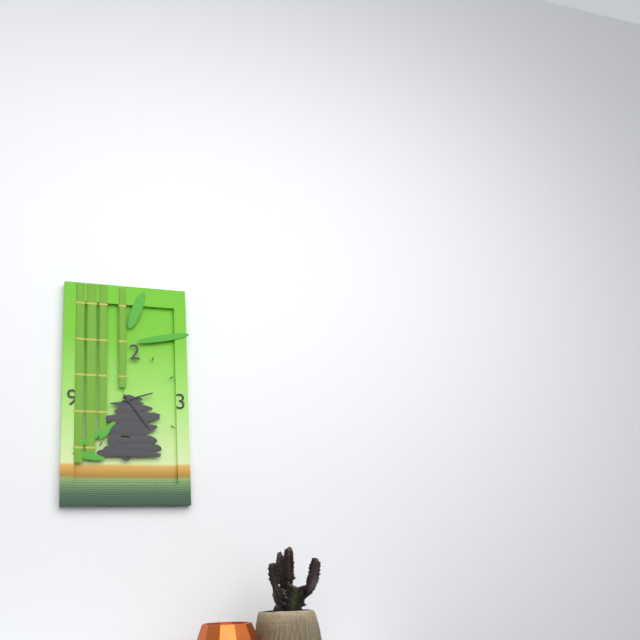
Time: {"hour": 2, "minute": 24}
